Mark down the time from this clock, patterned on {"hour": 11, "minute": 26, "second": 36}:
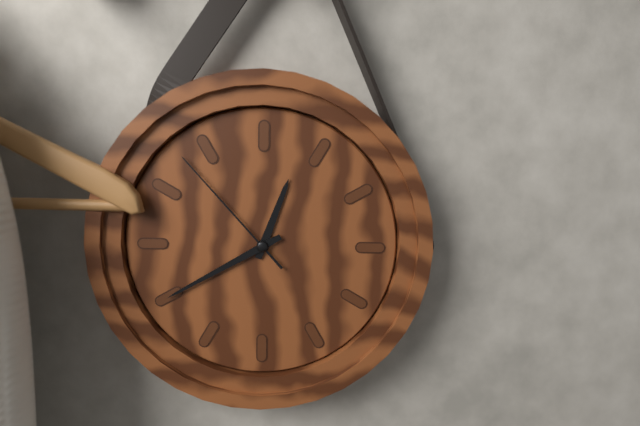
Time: {"hour": 12, "minute": 40, "second": 53}
